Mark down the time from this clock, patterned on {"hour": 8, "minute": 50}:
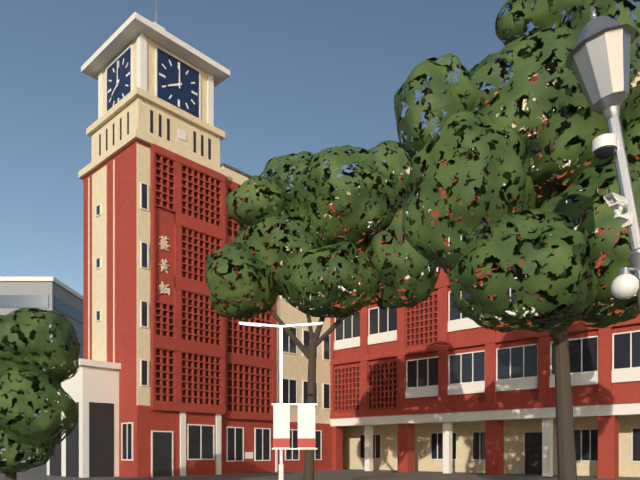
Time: {"hour": 8, "minute": 0}
